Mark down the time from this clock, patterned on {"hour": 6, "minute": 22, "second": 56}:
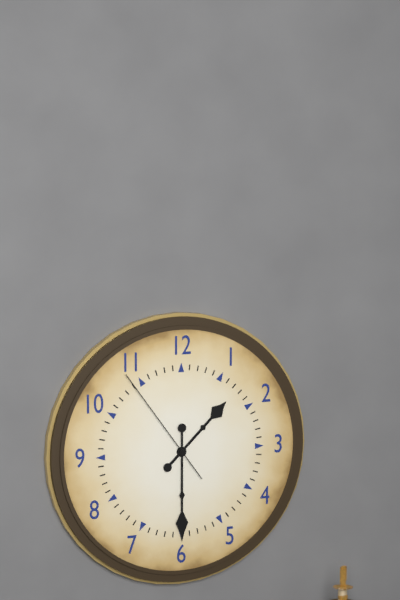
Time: {"hour": 1, "minute": 30, "second": 54}
